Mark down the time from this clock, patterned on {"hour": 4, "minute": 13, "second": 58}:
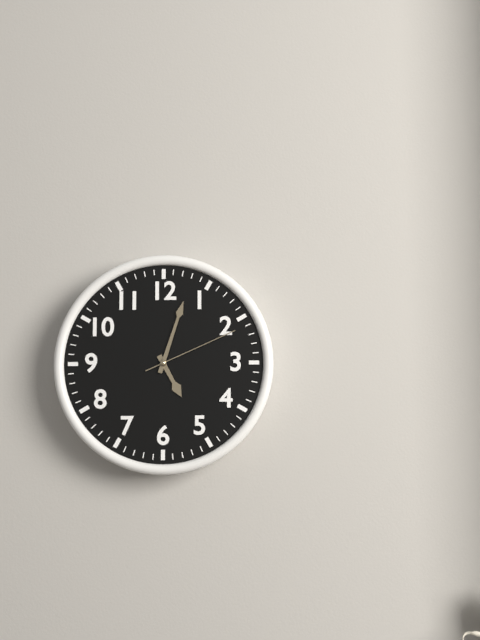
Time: {"hour": 5, "minute": 3, "second": 11}
